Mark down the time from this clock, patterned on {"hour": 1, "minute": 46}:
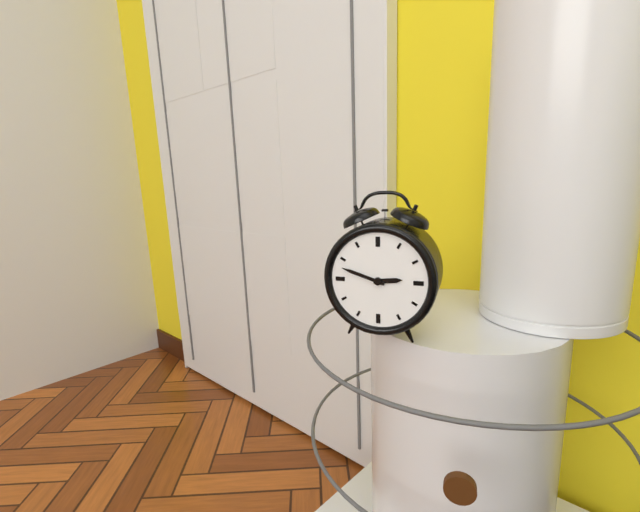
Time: {"hour": 2, "minute": 48}
